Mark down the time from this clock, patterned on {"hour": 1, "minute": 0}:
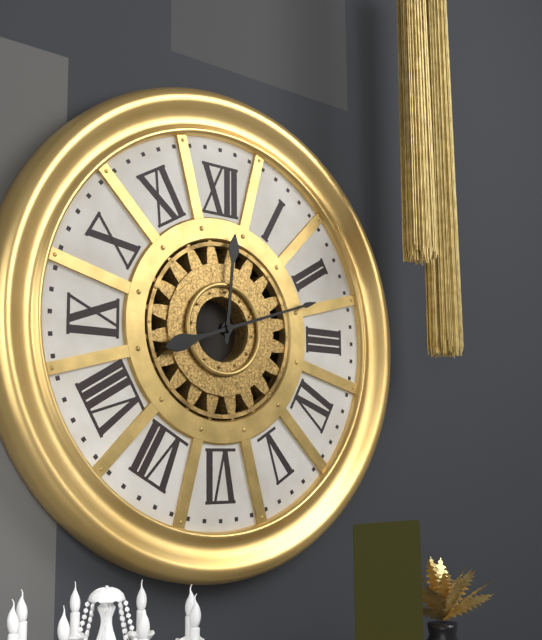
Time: {"hour": 12, "minute": 12}
